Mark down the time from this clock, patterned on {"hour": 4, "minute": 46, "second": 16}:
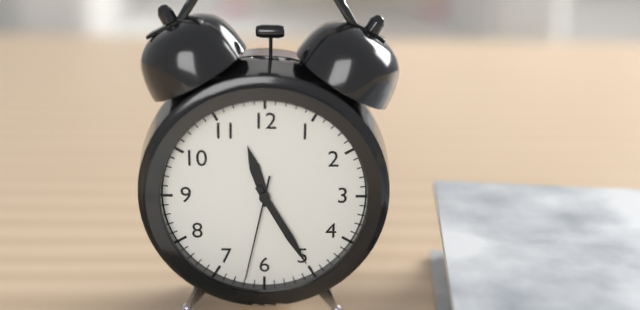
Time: {"hour": 11, "minute": 25, "second": 32}
